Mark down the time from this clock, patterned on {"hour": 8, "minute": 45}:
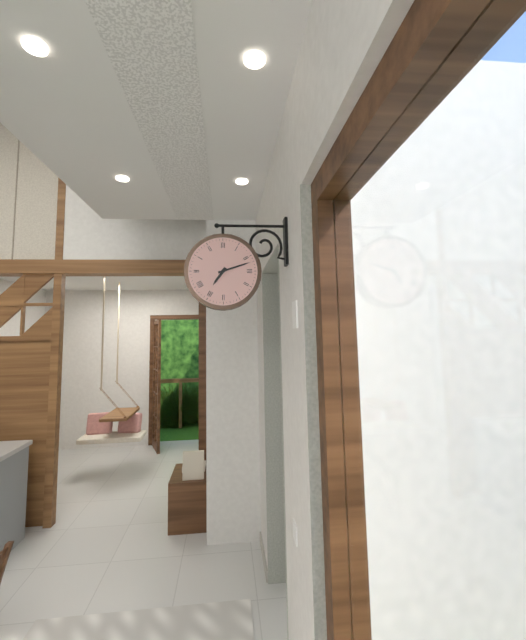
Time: {"hour": 7, "minute": 12}
